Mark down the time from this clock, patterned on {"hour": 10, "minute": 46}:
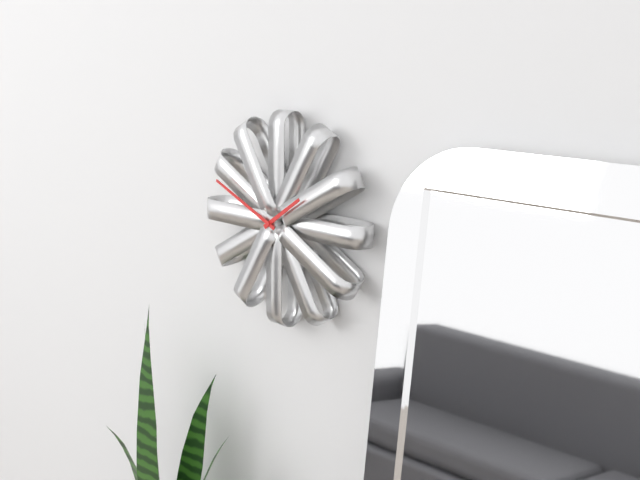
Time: {"hour": 1, "minute": 49}
